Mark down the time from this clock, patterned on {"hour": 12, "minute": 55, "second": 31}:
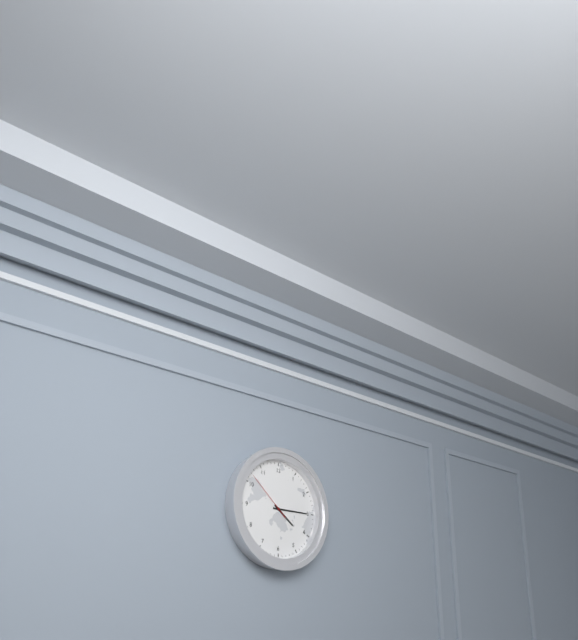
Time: {"hour": 4, "minute": 15, "second": 52}
